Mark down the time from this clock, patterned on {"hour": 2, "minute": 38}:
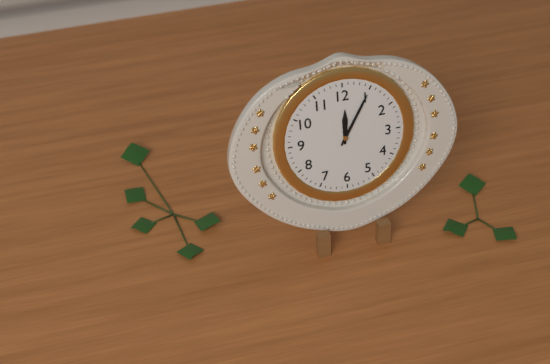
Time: {"hour": 12, "minute": 5}
